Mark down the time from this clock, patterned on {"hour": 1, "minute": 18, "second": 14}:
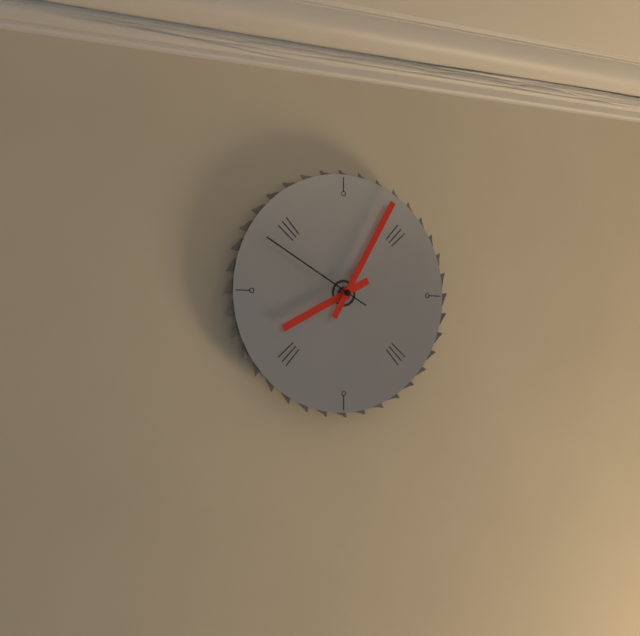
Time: {"hour": 8, "minute": 5, "second": 50}
